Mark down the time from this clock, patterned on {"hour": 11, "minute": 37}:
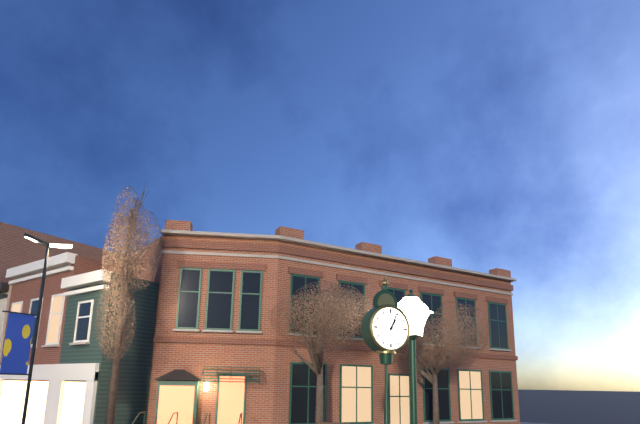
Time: {"hour": 1, "minute": 4}
